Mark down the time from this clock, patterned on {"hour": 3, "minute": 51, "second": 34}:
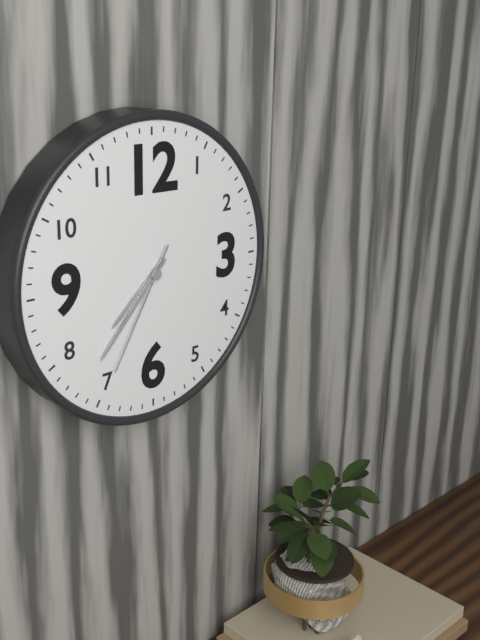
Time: {"hour": 7, "minute": 37, "second": 35}
